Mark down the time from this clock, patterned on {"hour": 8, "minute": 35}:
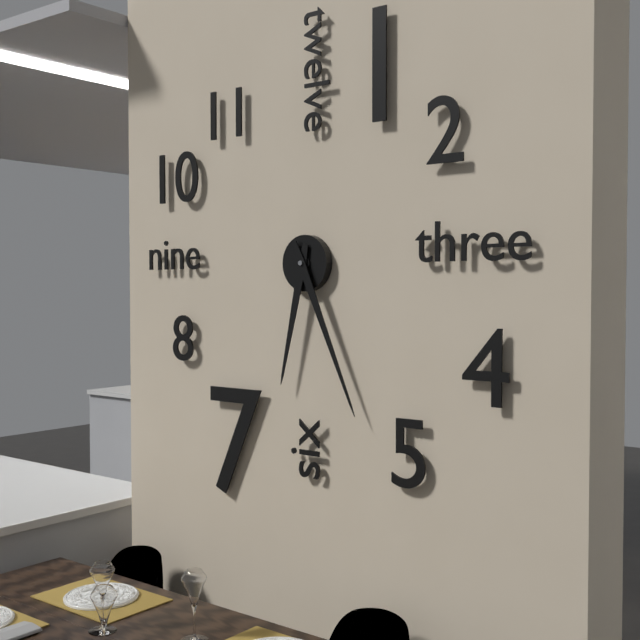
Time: {"hour": 6, "minute": 26}
